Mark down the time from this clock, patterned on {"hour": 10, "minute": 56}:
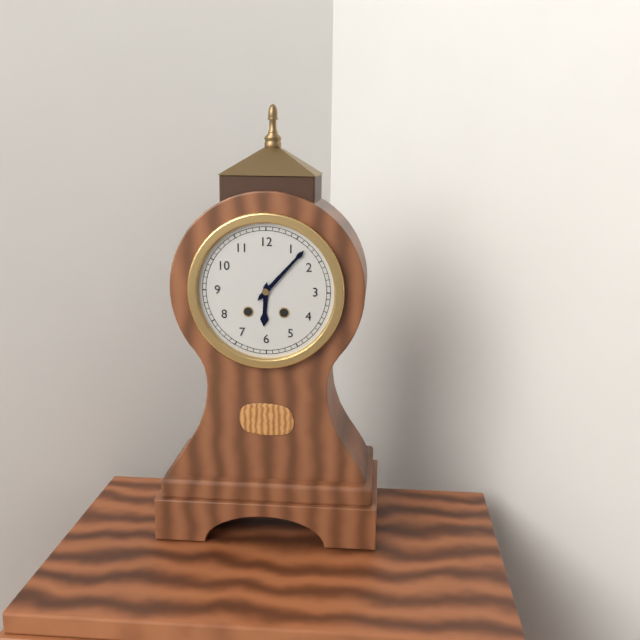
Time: {"hour": 6, "minute": 7}
